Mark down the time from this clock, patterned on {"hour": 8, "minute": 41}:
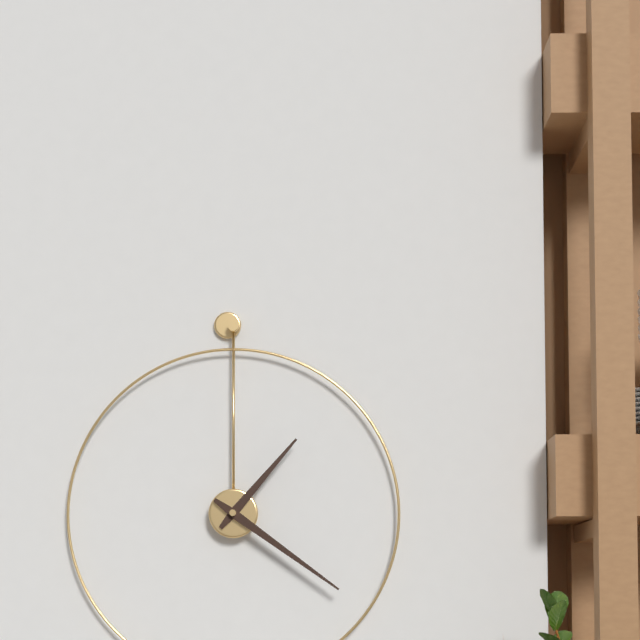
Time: {"hour": 1, "minute": 21}
